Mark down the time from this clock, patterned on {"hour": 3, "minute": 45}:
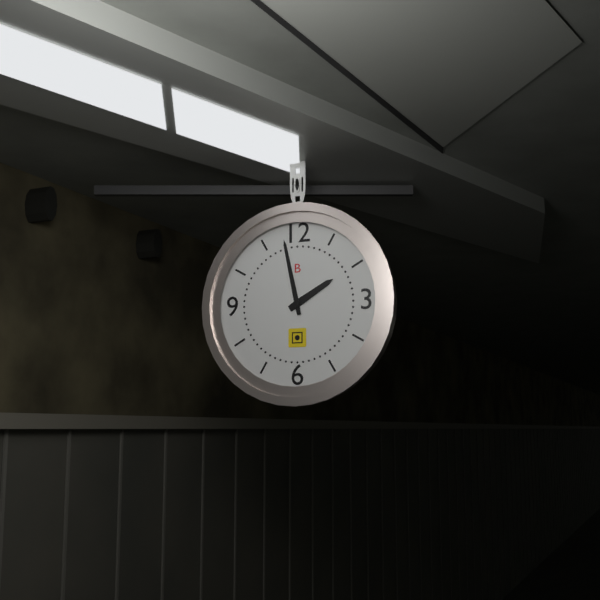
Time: {"hour": 1, "minute": 58}
